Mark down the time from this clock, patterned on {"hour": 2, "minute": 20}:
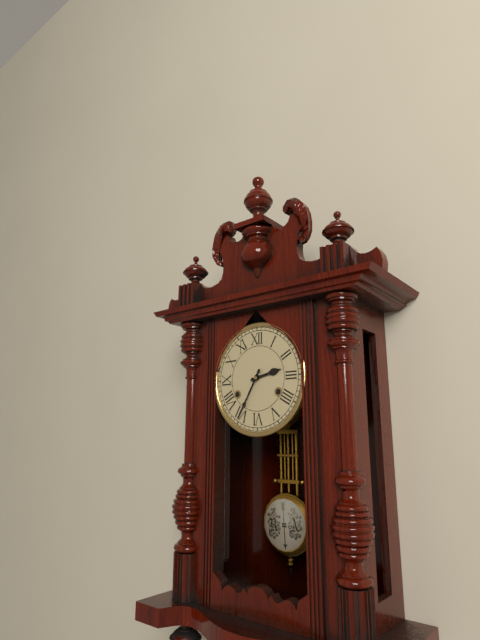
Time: {"hour": 2, "minute": 35}
